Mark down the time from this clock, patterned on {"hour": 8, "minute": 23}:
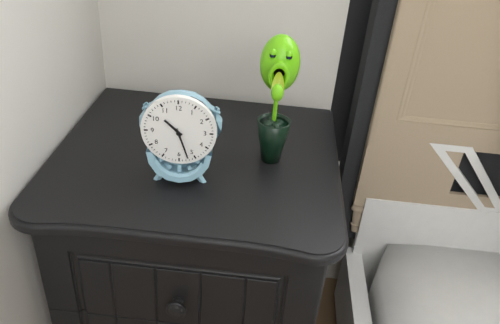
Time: {"hour": 10, "minute": 27}
